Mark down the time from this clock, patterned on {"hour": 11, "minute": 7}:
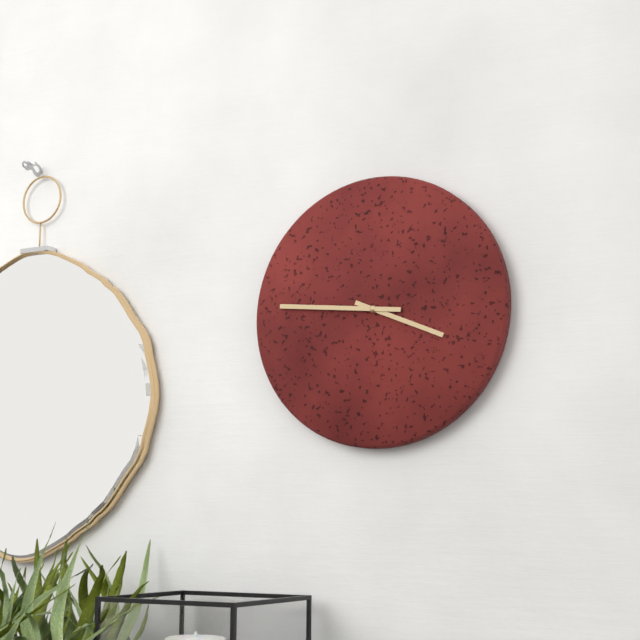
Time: {"hour": 3, "minute": 46}
